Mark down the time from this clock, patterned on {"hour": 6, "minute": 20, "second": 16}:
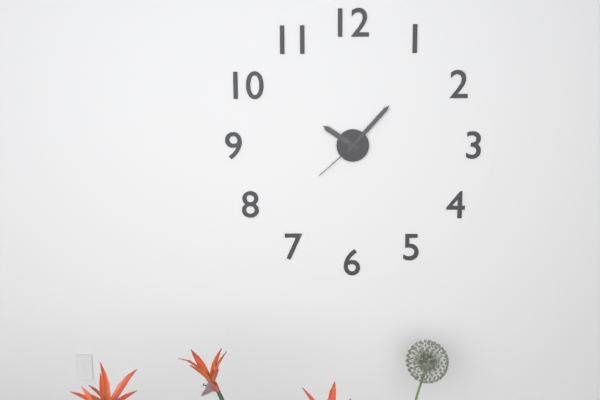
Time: {"hour": 10, "minute": 7, "second": 38}
